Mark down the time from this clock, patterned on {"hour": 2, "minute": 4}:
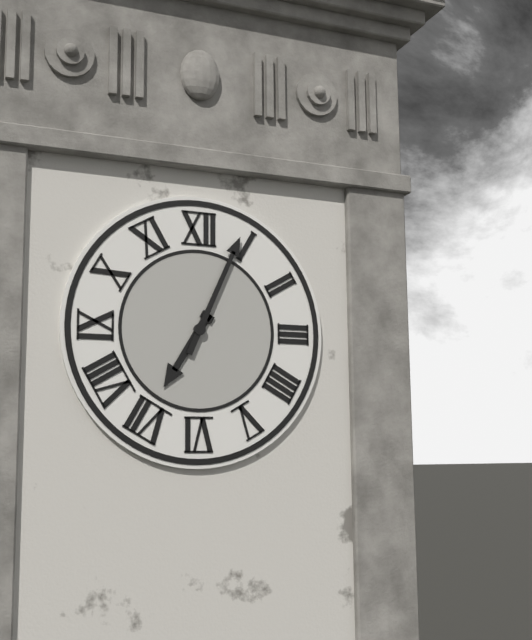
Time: {"hour": 7, "minute": 4}
